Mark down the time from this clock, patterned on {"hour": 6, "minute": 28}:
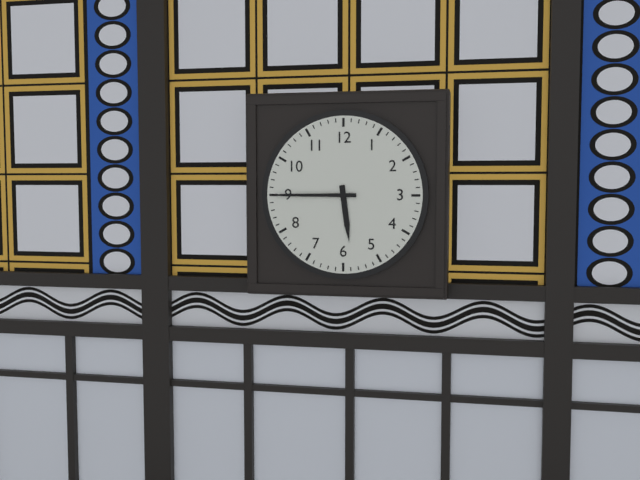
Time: {"hour": 5, "minute": 45}
